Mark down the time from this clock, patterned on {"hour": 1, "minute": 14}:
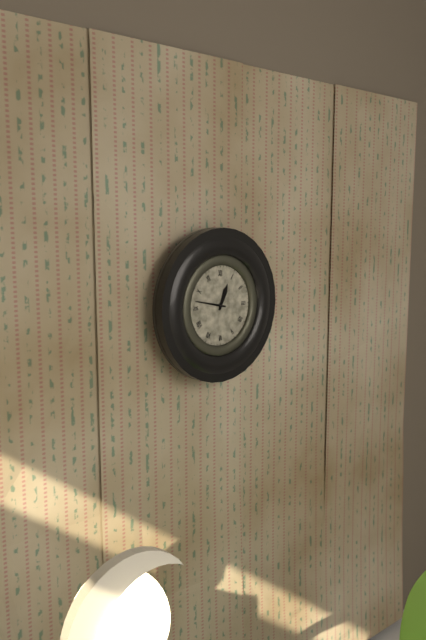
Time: {"hour": 12, "minute": 47}
